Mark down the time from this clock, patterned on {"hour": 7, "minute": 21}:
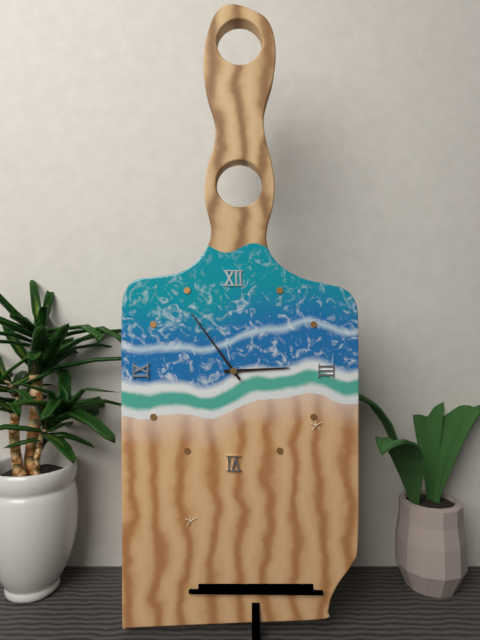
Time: {"hour": 2, "minute": 54}
